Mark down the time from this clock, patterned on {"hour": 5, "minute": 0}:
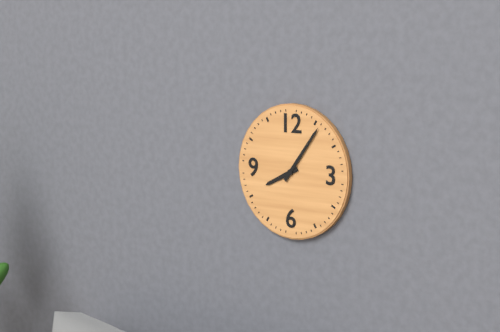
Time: {"hour": 8, "minute": 6}
